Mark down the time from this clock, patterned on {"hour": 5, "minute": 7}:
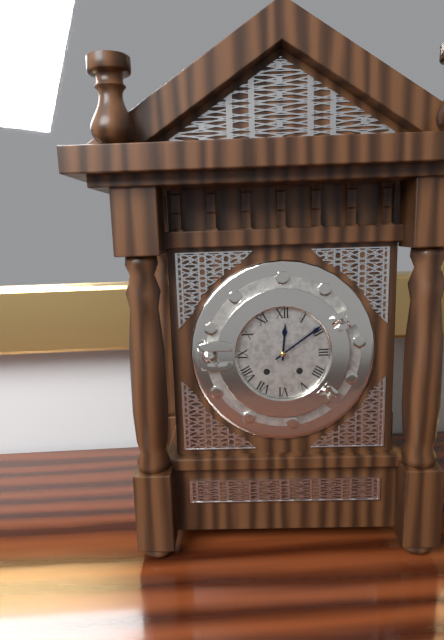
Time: {"hour": 12, "minute": 9}
